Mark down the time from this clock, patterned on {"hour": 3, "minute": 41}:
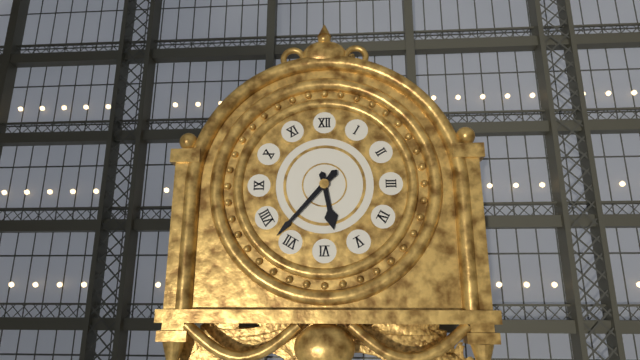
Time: {"hour": 5, "minute": 37}
